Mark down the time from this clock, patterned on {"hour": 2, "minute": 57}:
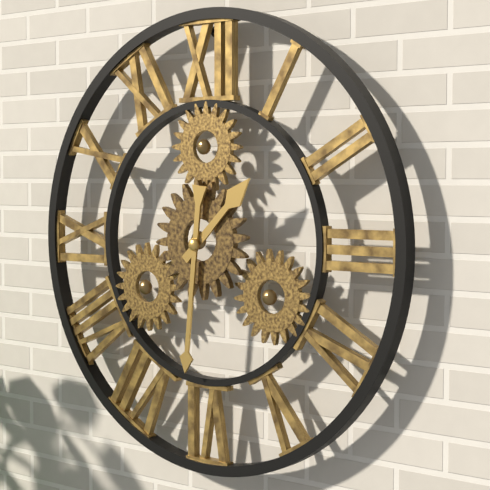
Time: {"hour": 1, "minute": 31}
